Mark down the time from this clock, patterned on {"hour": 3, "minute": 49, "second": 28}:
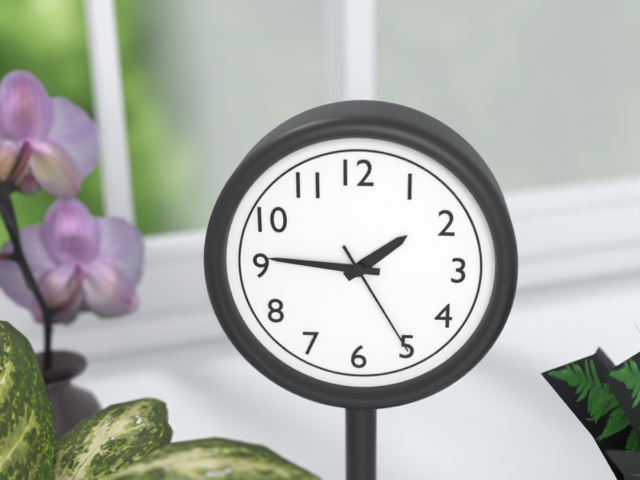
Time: {"hour": 1, "minute": 46, "second": 25}
